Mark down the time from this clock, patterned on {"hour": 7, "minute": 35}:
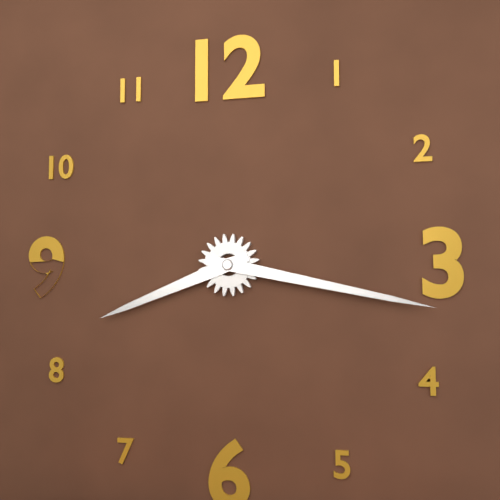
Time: {"hour": 8, "minute": 17}
